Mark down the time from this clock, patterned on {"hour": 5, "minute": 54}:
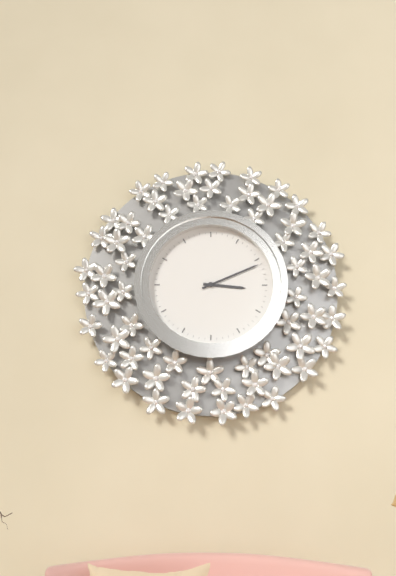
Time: {"hour": 3, "minute": 11}
